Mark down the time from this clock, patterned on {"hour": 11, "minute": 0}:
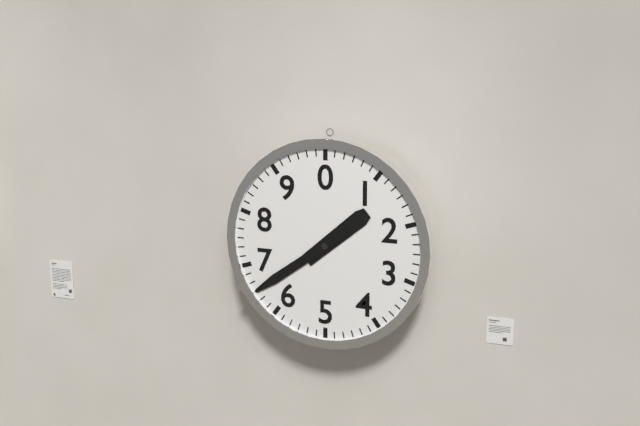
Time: {"hour": 1, "minute": 39}
